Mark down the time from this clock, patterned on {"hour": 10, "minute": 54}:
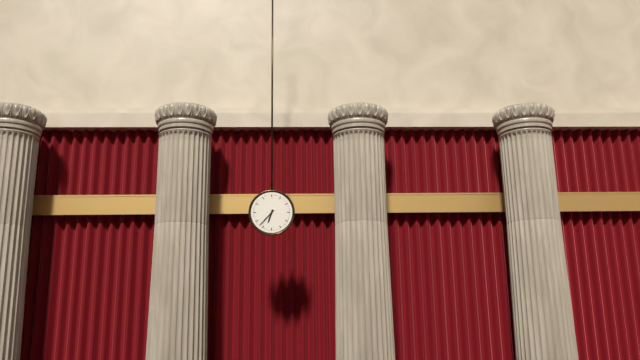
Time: {"hour": 6, "minute": 37}
